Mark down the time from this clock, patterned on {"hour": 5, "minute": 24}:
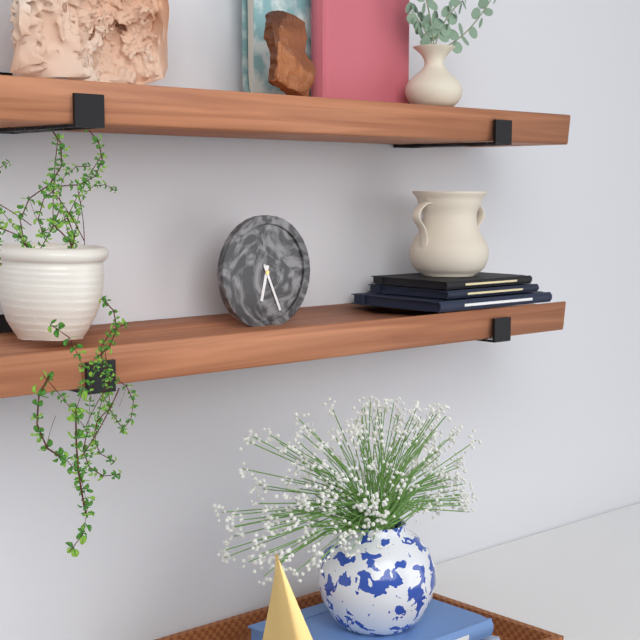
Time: {"hour": 6, "minute": 26}
